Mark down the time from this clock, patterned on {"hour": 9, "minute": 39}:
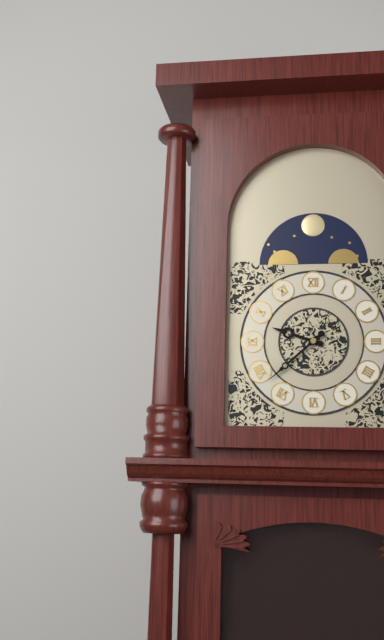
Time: {"hour": 9, "minute": 38}
